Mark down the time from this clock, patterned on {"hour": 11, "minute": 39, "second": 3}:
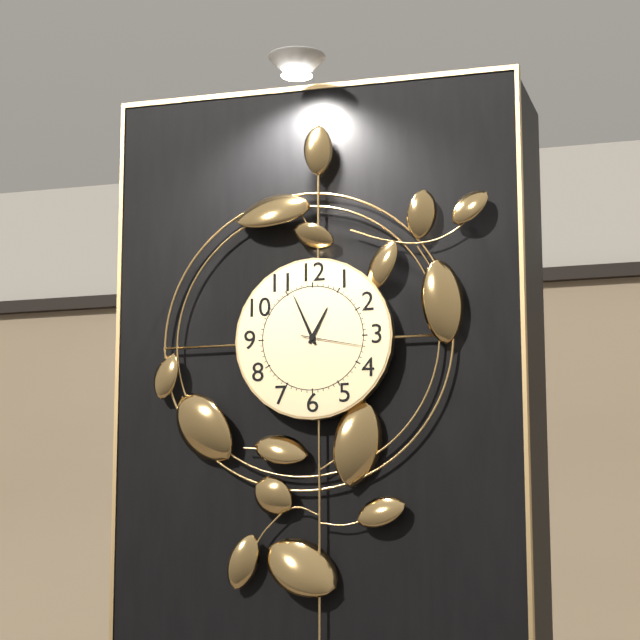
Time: {"hour": 12, "minute": 56, "second": 17}
